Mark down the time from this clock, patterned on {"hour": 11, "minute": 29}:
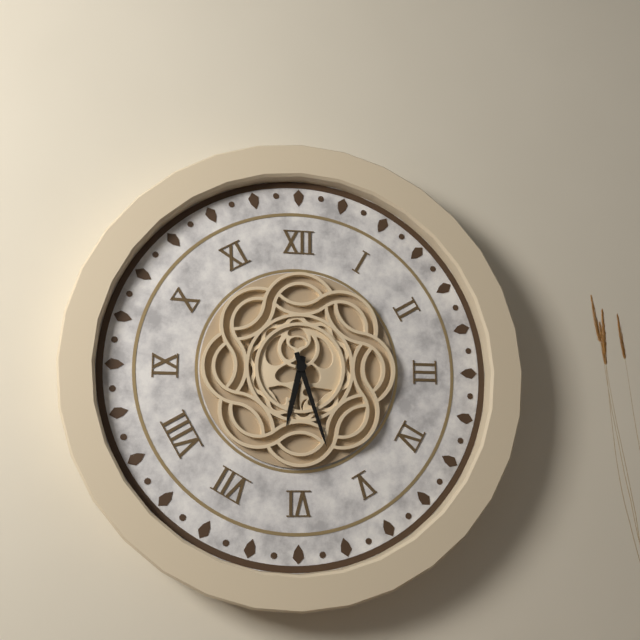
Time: {"hour": 6, "minute": 27}
